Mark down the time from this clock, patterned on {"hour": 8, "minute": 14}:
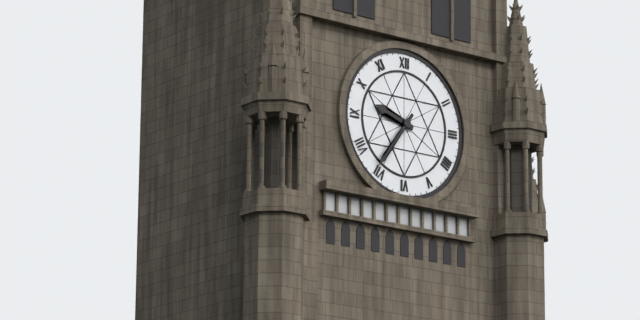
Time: {"hour": 9, "minute": 36}
